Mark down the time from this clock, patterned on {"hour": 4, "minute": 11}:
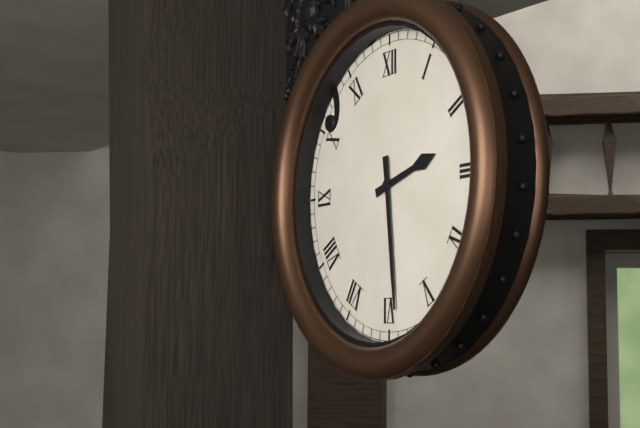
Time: {"hour": 2, "minute": 29}
